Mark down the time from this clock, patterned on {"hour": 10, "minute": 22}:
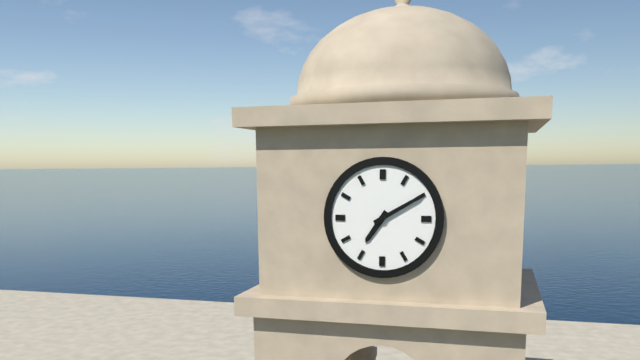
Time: {"hour": 7, "minute": 10}
